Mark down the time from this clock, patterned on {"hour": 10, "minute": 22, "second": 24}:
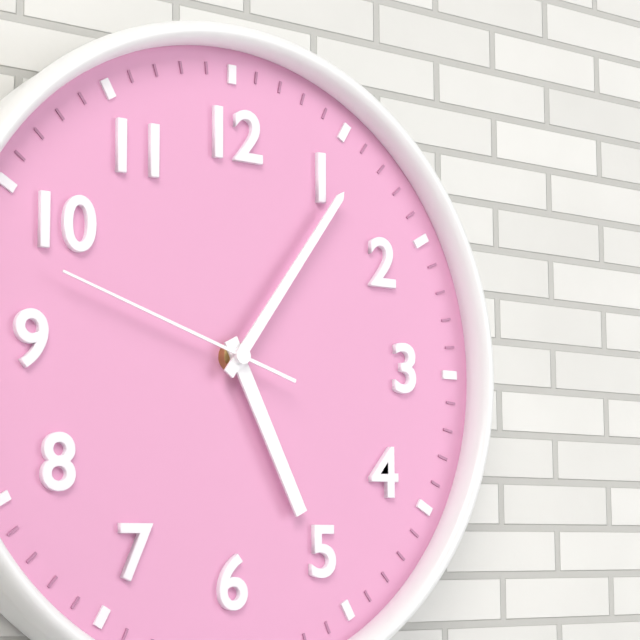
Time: {"hour": 5, "minute": 6, "second": 48}
